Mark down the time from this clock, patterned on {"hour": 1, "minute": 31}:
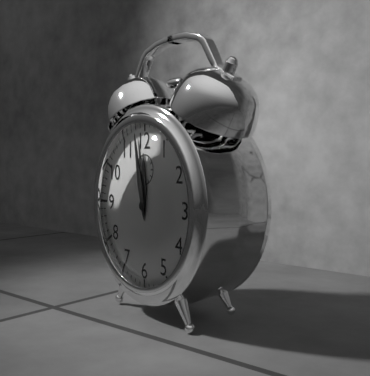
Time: {"hour": 11, "minute": 58}
